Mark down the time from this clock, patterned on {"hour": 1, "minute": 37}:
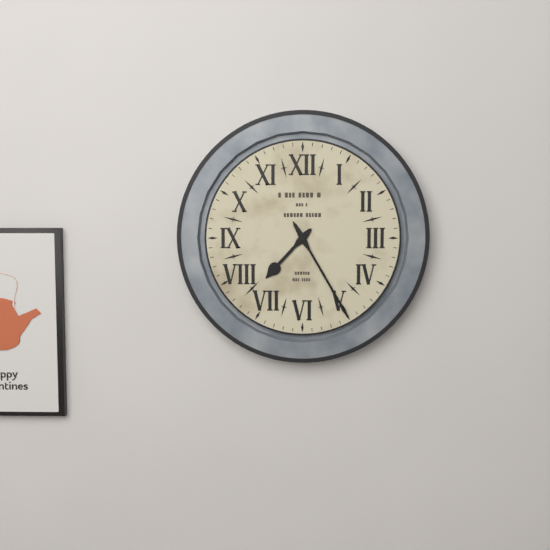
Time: {"hour": 7, "minute": 25}
